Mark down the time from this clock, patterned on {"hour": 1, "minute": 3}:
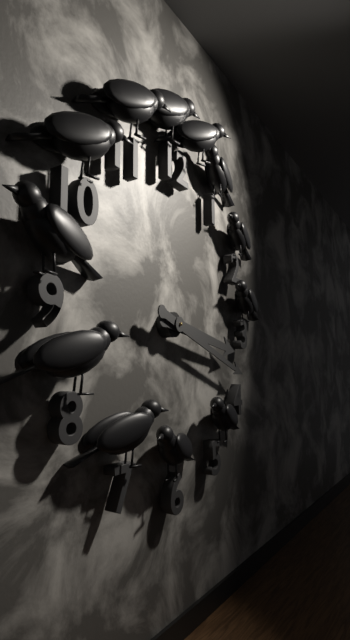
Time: {"hour": 3, "minute": 18}
